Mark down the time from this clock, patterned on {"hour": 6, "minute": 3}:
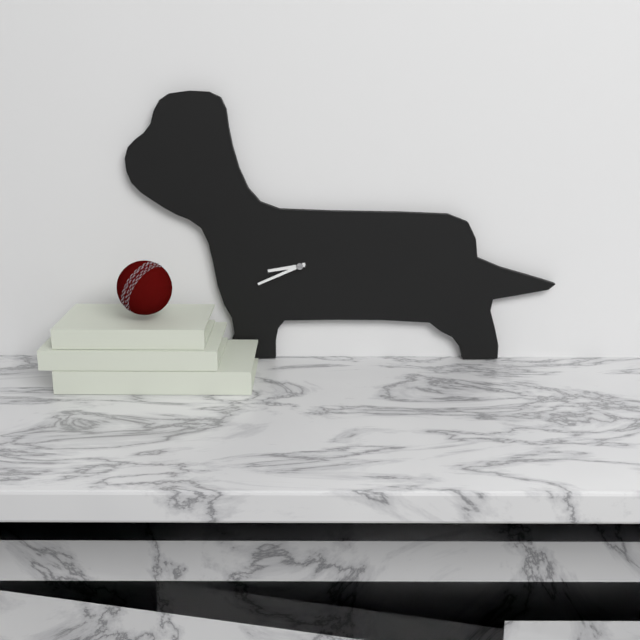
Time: {"hour": 8, "minute": 41}
